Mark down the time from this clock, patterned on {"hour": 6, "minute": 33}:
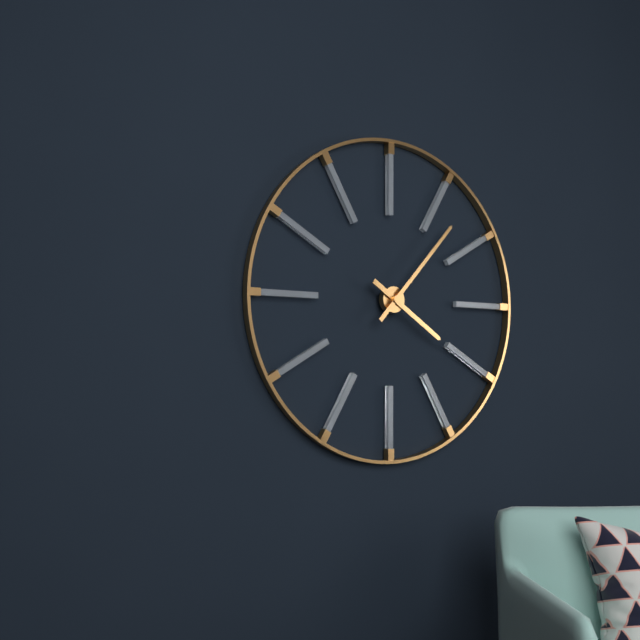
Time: {"hour": 4, "minute": 7}
